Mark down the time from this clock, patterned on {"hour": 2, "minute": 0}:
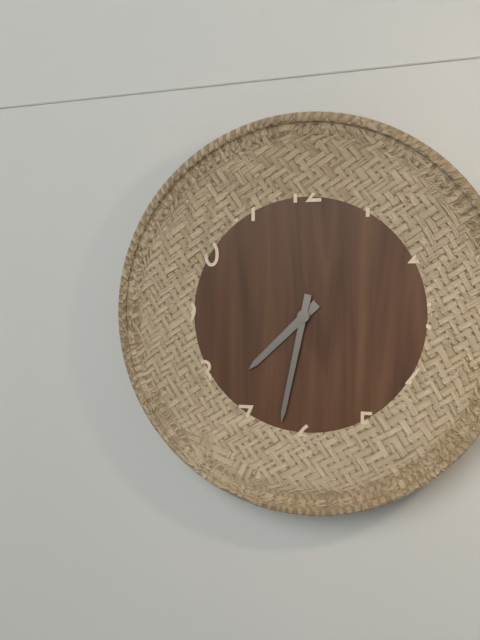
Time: {"hour": 7, "minute": 32}
